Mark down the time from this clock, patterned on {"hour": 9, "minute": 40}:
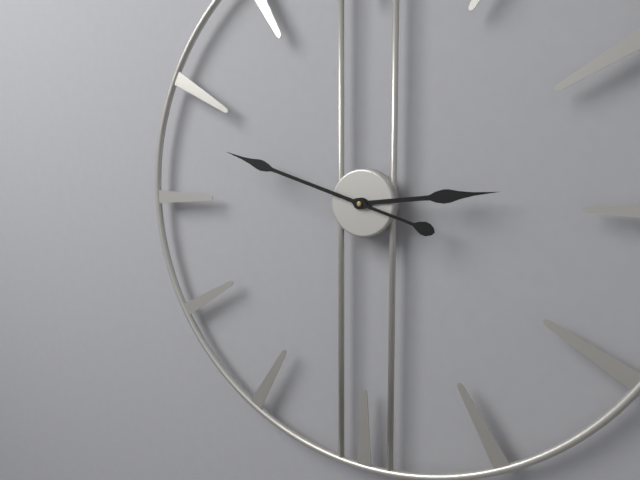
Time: {"hour": 2, "minute": 48}
